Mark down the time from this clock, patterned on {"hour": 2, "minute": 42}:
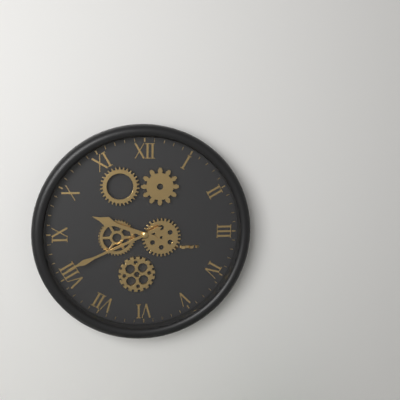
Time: {"hour": 9, "minute": 41}
